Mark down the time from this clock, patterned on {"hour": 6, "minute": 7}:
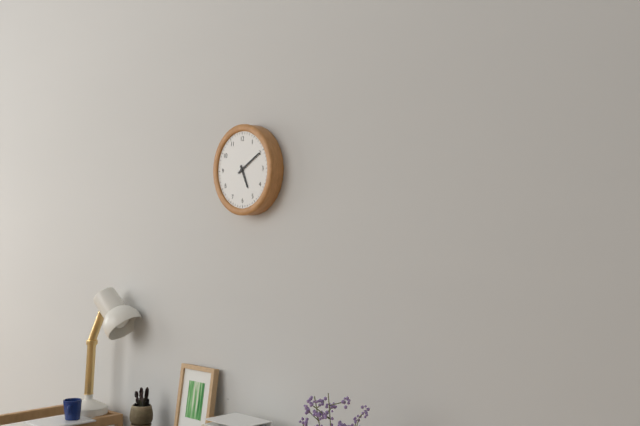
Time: {"hour": 5, "minute": 10}
